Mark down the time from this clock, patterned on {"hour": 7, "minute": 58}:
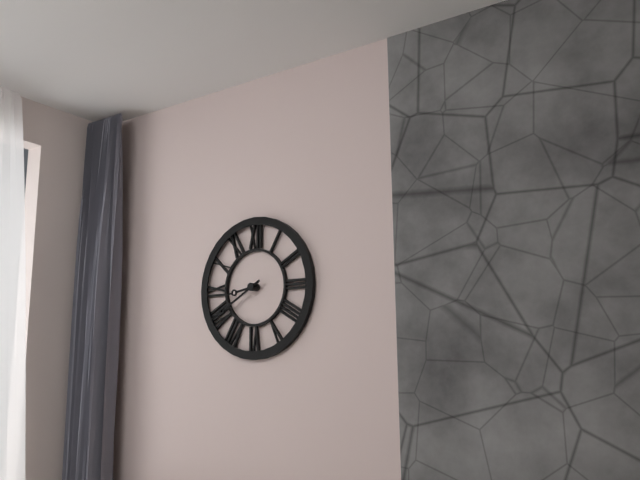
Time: {"hour": 8, "minute": 40}
